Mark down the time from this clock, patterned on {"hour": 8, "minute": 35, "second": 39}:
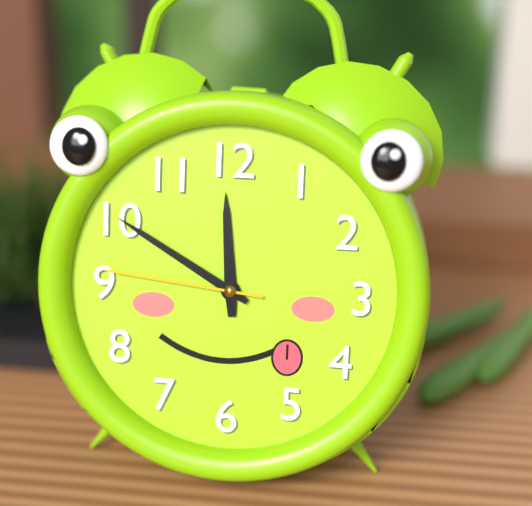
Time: {"hour": 11, "minute": 50, "second": 46}
